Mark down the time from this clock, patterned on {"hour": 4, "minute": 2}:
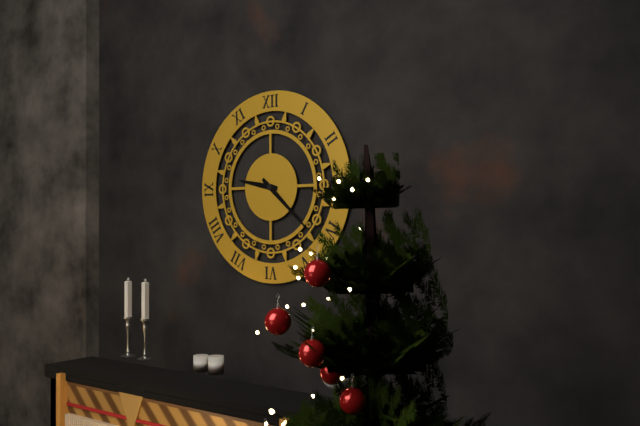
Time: {"hour": 9, "minute": 22}
